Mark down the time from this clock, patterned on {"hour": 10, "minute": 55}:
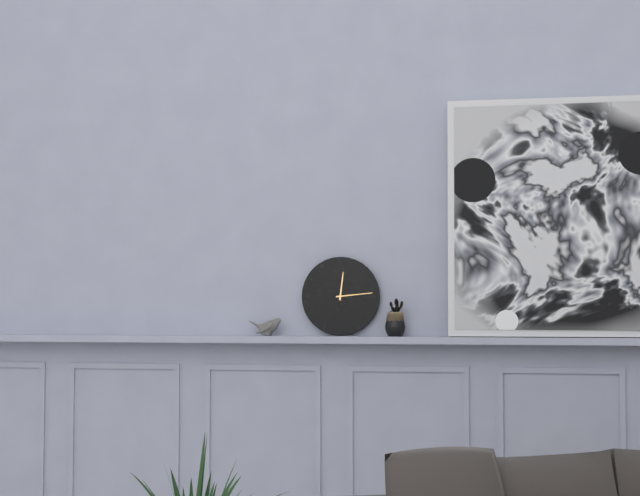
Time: {"hour": 12, "minute": 14}
